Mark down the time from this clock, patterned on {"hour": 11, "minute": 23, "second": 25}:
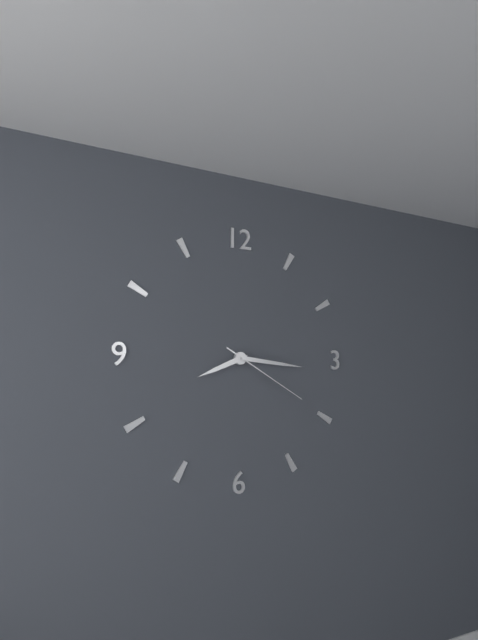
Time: {"hour": 8, "minute": 16, "second": 20}
